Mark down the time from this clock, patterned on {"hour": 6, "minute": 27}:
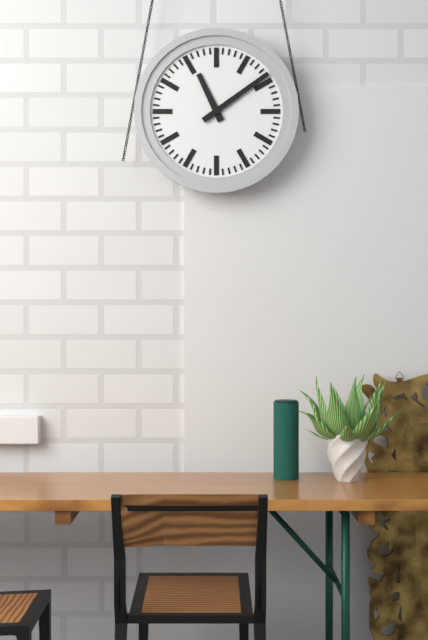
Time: {"hour": 11, "minute": 9}
